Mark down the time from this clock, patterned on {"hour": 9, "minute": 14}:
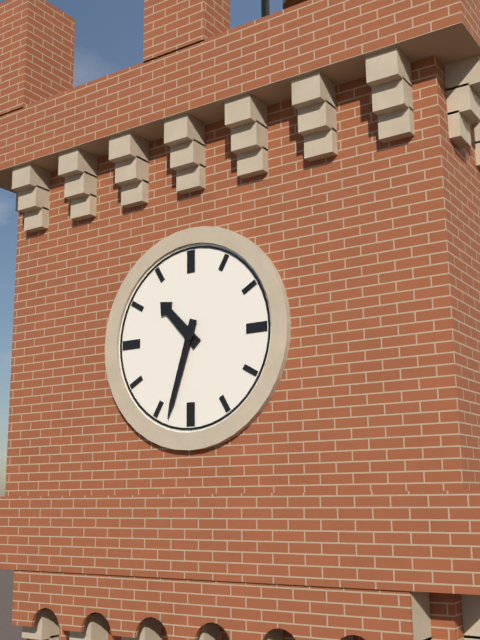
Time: {"hour": 10, "minute": 33}
